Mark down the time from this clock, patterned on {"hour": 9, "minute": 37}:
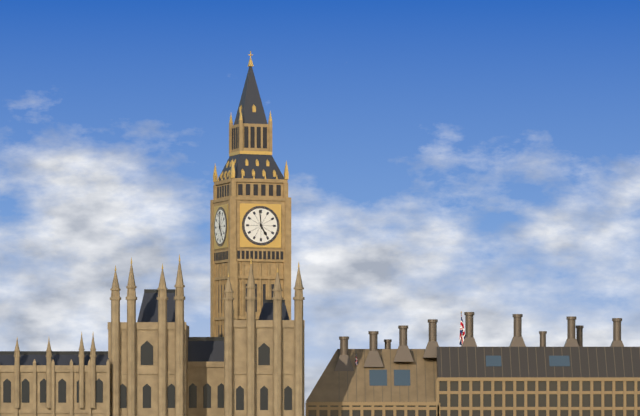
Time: {"hour": 4, "minute": 59}
